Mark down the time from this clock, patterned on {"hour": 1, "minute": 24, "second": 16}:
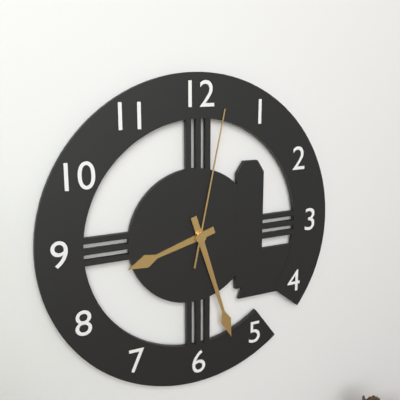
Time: {"hour": 8, "minute": 27, "second": 2}
